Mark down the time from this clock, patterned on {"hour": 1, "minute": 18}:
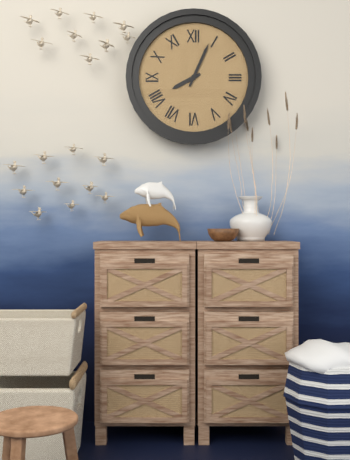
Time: {"hour": 8, "minute": 4}
